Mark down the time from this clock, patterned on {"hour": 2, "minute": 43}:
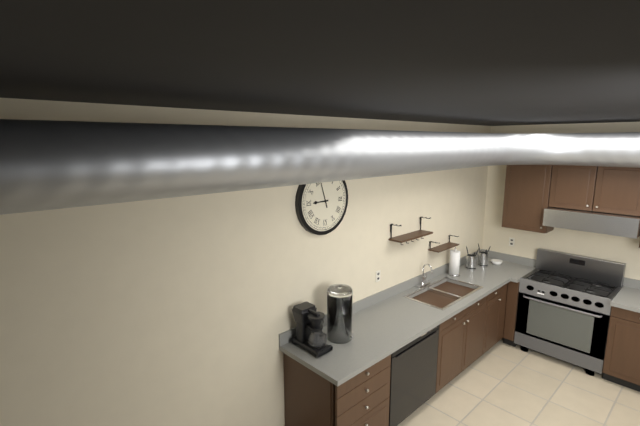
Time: {"hour": 8, "minute": 57}
